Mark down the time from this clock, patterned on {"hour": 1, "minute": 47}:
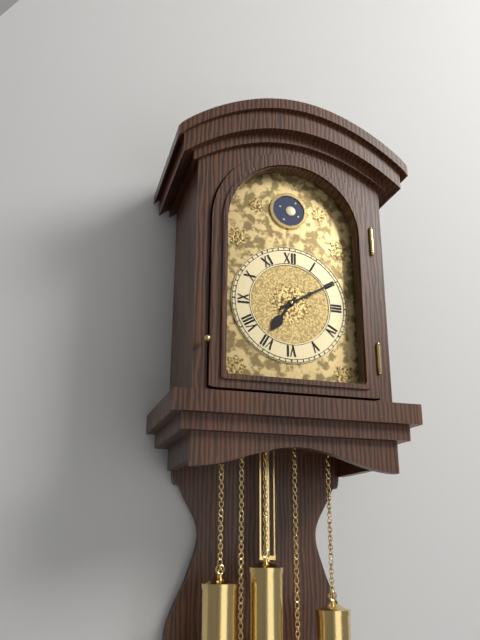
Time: {"hour": 7, "minute": 10}
